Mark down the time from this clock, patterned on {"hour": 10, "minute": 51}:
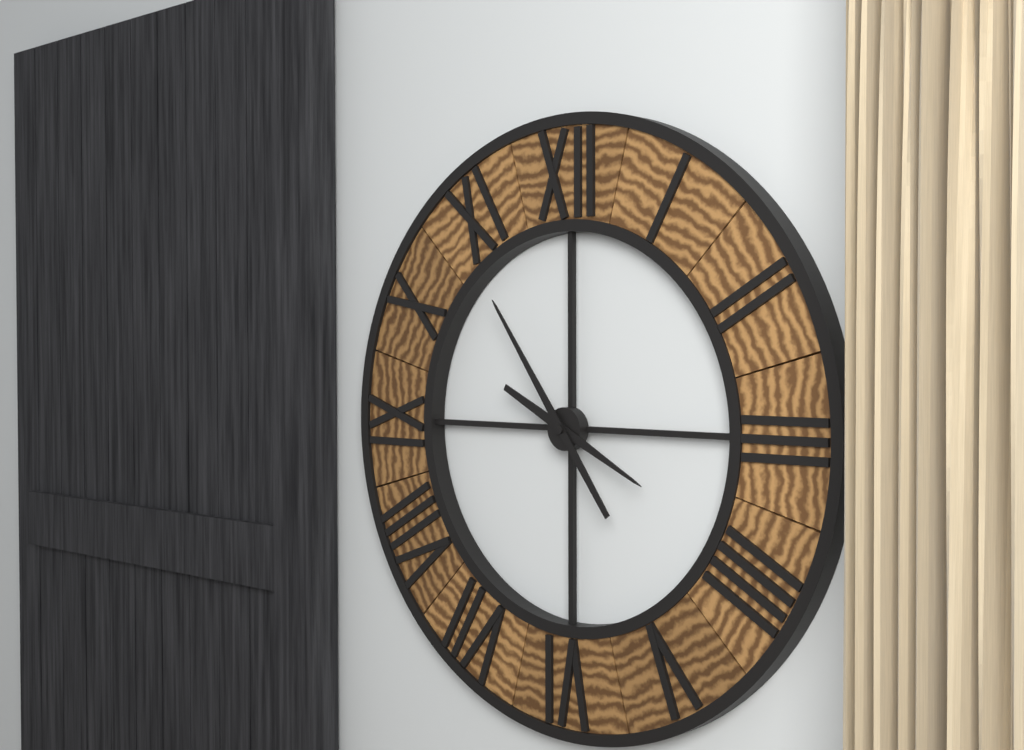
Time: {"hour": 3, "minute": 54}
